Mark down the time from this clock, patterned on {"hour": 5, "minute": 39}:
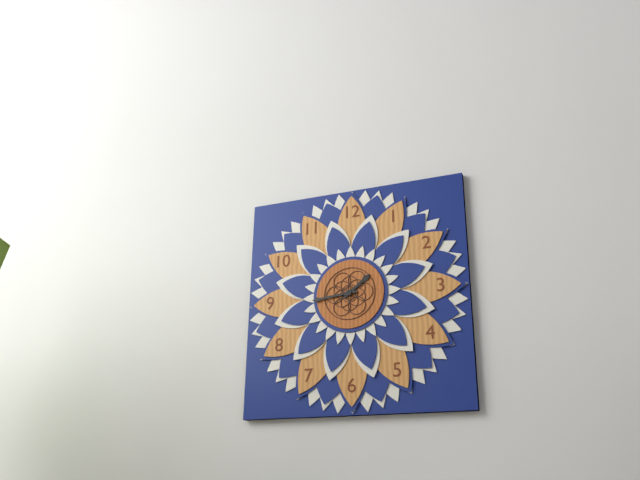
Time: {"hour": 1, "minute": 44}
